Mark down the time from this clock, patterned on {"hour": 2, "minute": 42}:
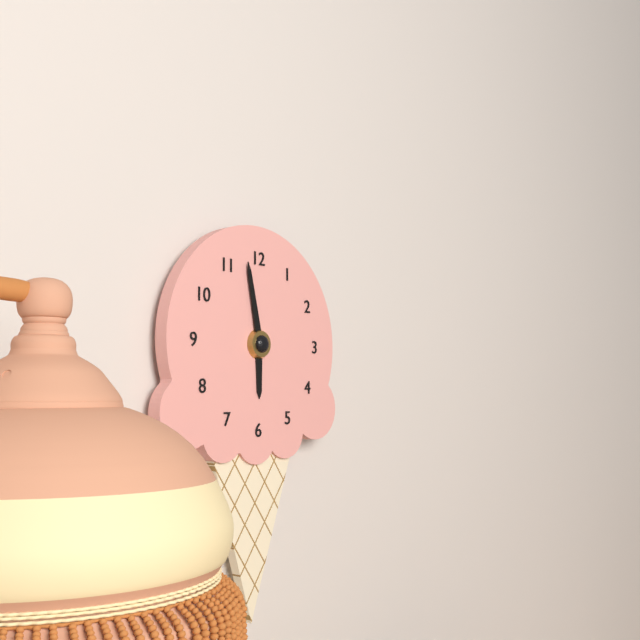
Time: {"hour": 5, "minute": 58}
